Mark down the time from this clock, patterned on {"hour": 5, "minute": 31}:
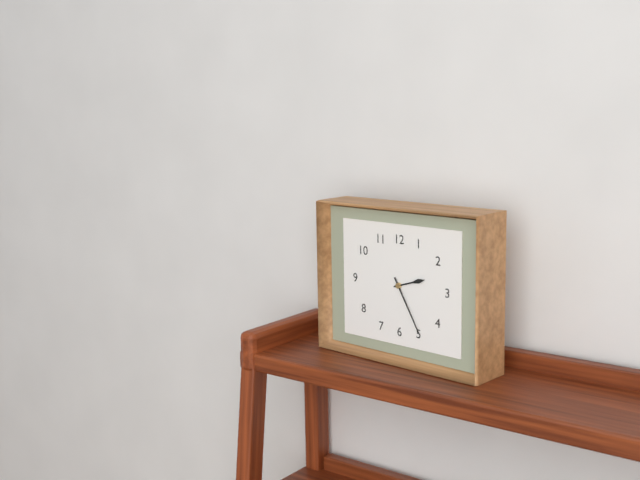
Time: {"hour": 2, "minute": 25}
